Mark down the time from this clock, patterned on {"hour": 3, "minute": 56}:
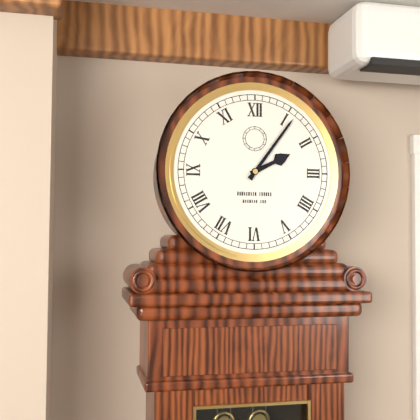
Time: {"hour": 2, "minute": 6}
